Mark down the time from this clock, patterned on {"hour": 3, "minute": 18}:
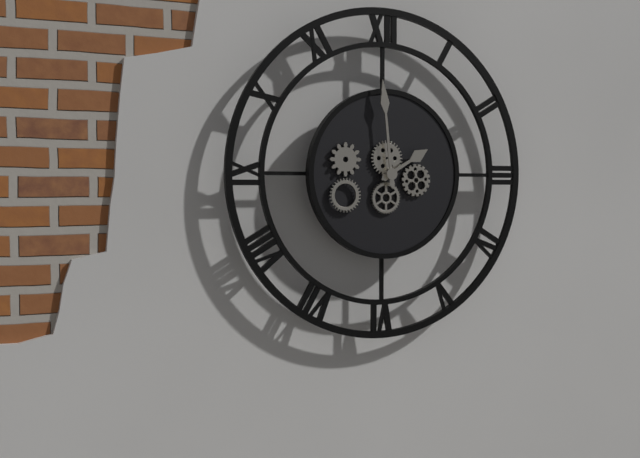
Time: {"hour": 1, "minute": 59}
